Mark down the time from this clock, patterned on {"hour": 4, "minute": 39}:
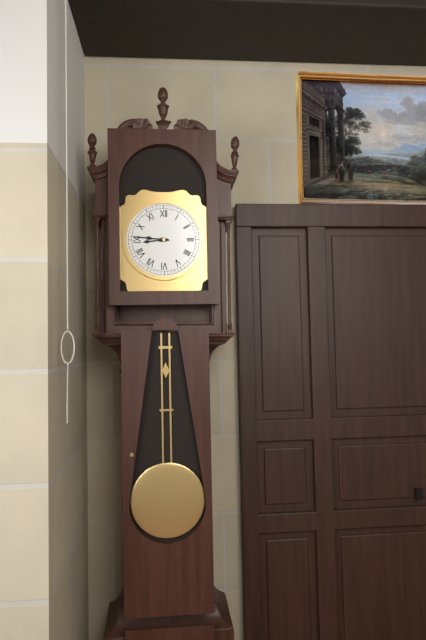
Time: {"hour": 8, "minute": 46}
